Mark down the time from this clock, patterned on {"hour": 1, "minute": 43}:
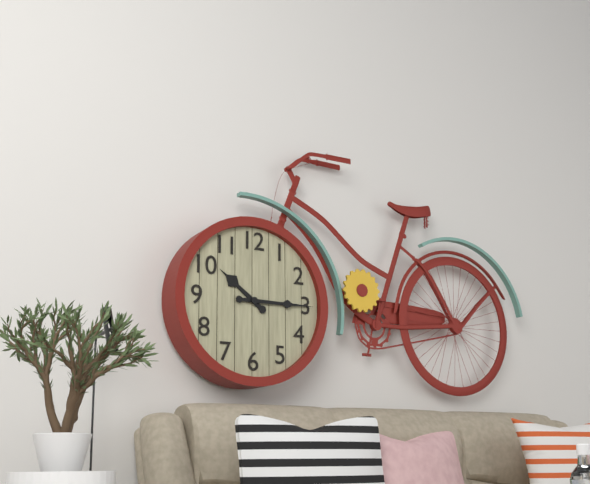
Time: {"hour": 10, "minute": 15}
